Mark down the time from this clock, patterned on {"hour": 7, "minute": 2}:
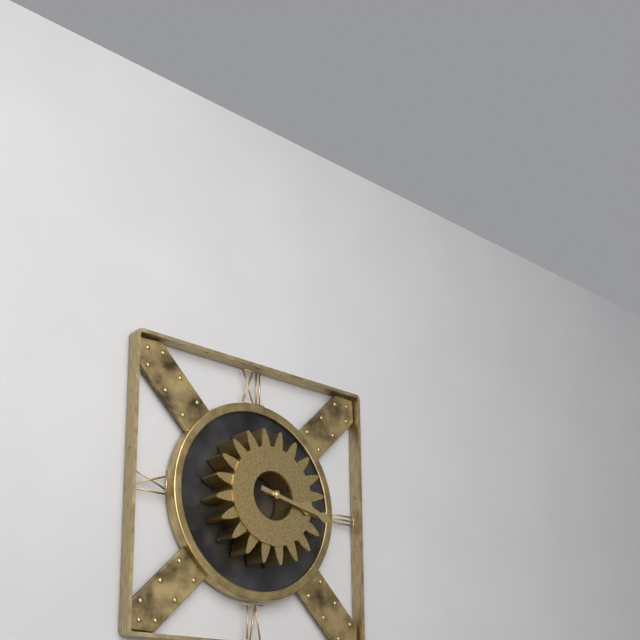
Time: {"hour": 3, "minute": 17}
